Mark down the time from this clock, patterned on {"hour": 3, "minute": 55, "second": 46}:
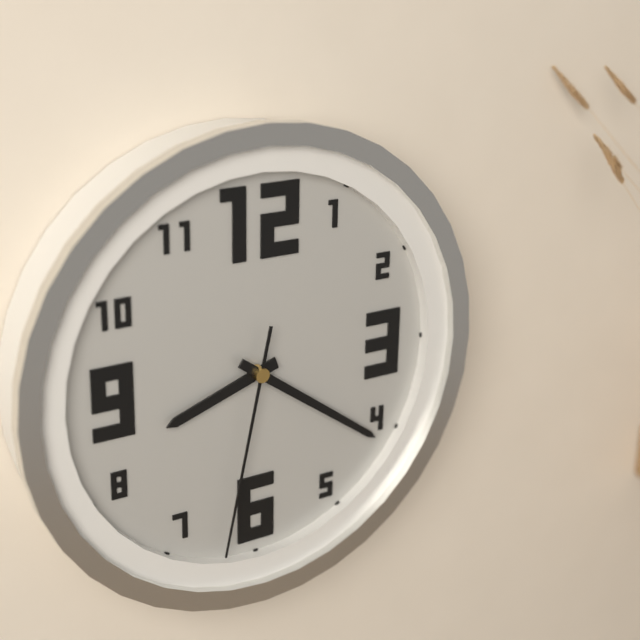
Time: {"hour": 8, "minute": 21, "second": 32}
